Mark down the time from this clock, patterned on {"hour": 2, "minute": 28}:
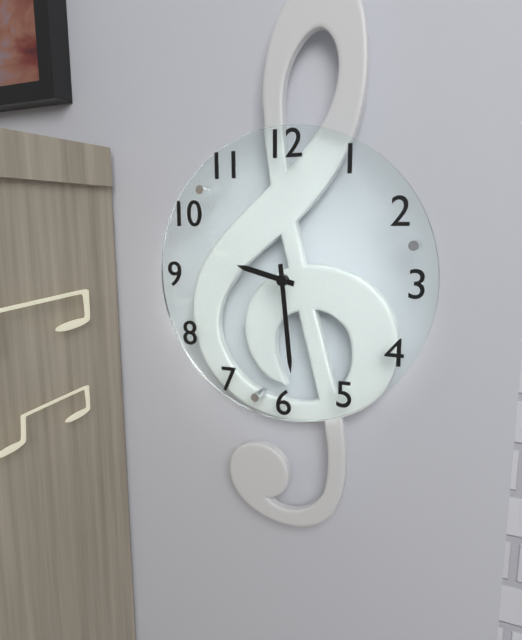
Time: {"hour": 9, "minute": 29}
